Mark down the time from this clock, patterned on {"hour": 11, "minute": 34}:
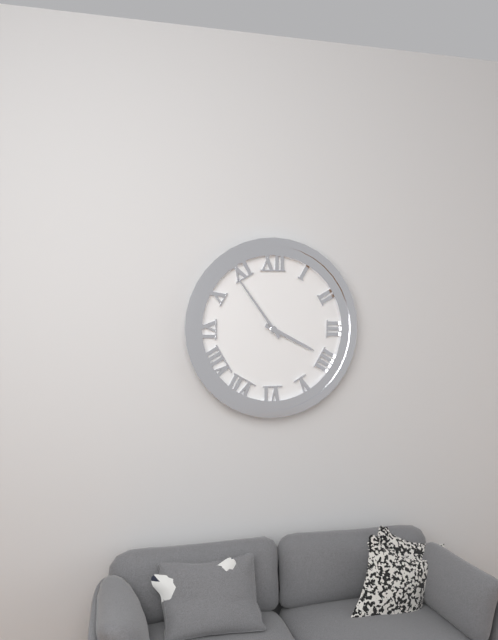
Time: {"hour": 3, "minute": 54}
